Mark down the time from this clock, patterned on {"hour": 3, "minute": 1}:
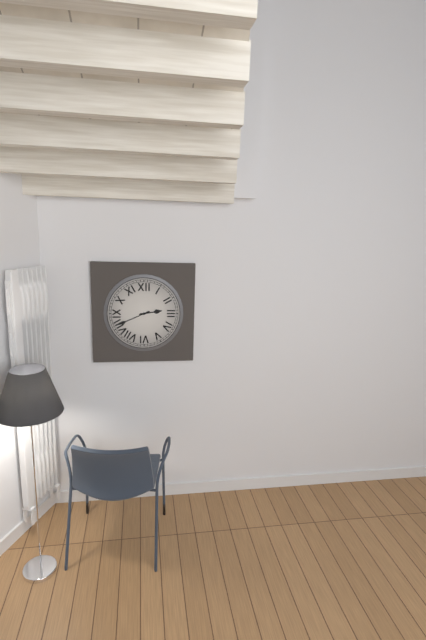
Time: {"hour": 2, "minute": 41}
